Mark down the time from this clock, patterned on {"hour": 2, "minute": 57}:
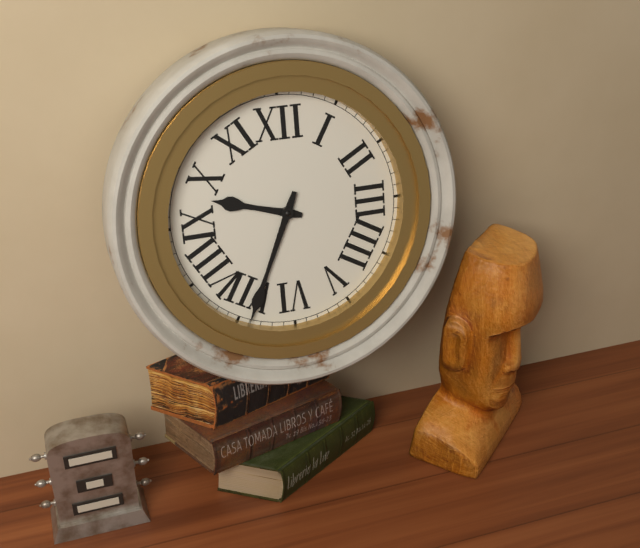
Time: {"hour": 9, "minute": 34}
